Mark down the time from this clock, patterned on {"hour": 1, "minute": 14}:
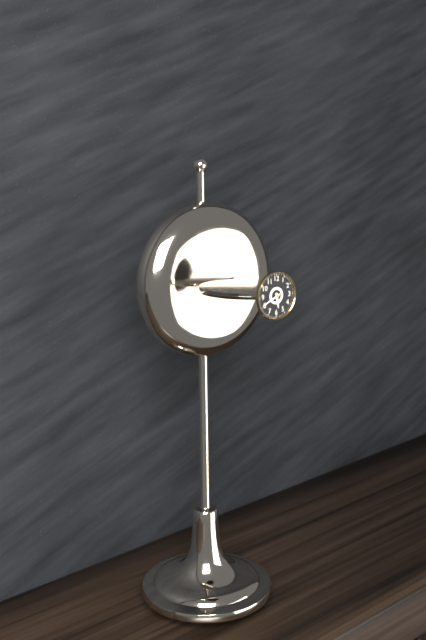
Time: {"hour": 5, "minute": 41}
